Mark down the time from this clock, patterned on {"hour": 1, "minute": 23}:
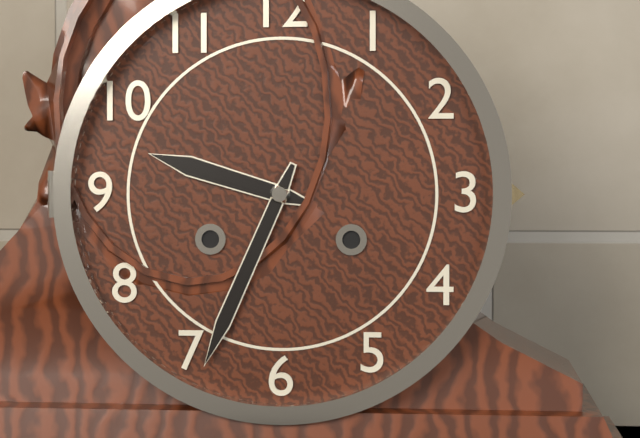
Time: {"hour": 9, "minute": 34}
